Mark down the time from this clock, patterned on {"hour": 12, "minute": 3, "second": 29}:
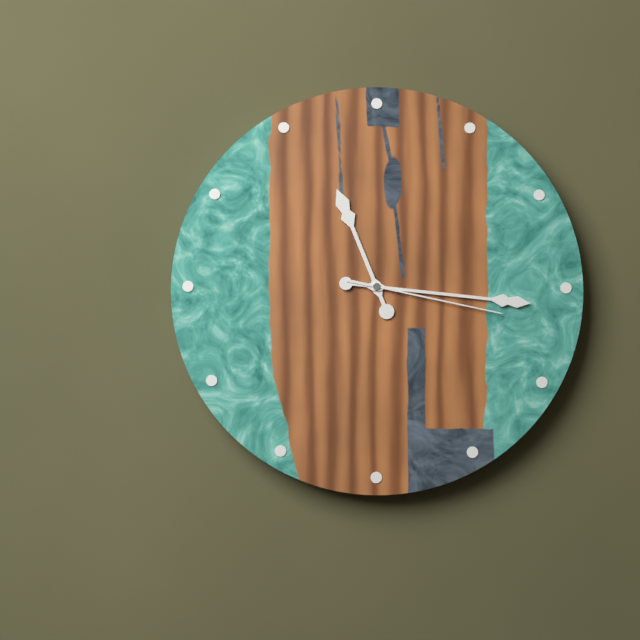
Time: {"hour": 11, "minute": 16, "second": 17}
